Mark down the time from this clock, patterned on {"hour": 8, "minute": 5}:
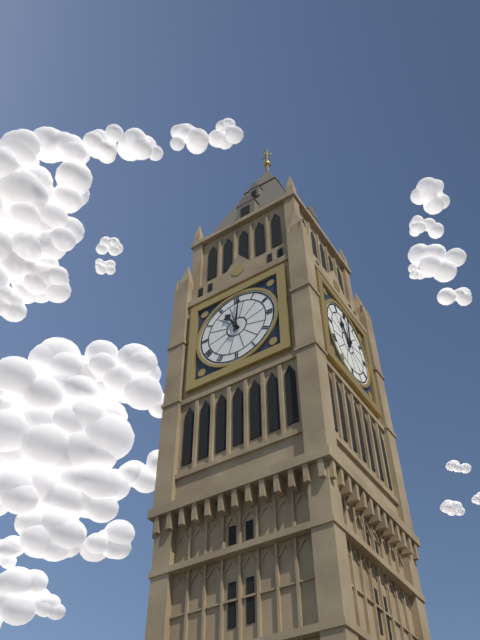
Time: {"hour": 11, "minute": 1}
